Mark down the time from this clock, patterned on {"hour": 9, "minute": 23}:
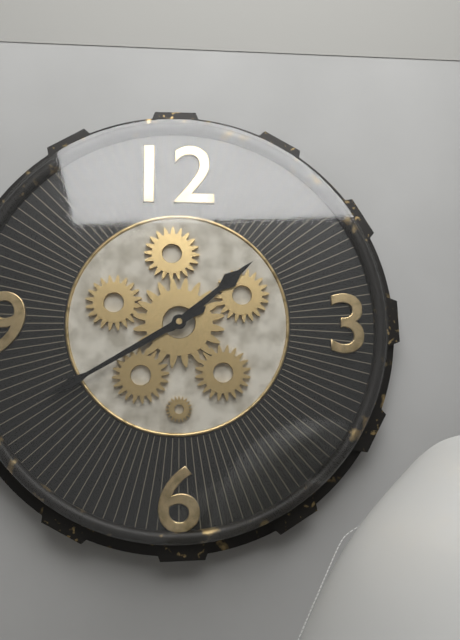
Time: {"hour": 1, "minute": 40}
